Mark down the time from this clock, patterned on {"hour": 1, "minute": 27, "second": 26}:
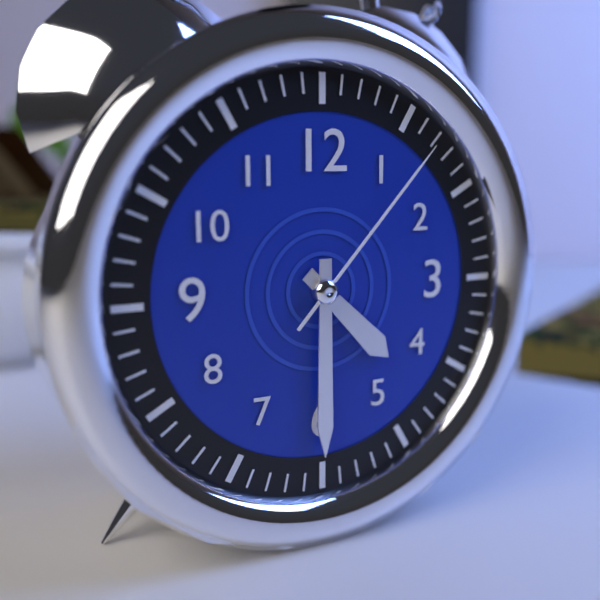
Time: {"hour": 4, "minute": 30, "second": 7}
